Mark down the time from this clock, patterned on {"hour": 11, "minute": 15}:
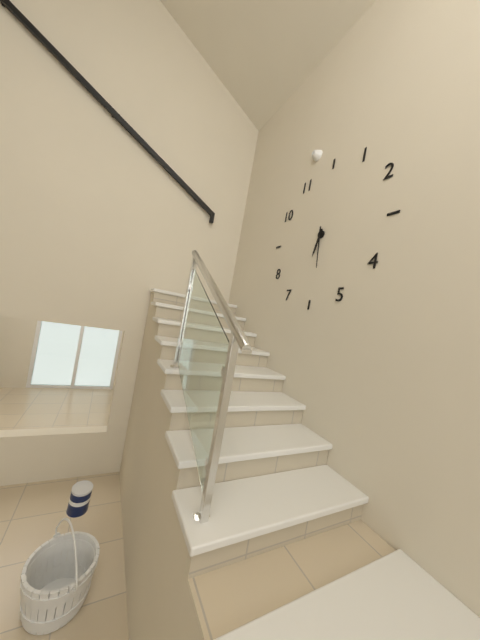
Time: {"hour": 6, "minute": 29}
